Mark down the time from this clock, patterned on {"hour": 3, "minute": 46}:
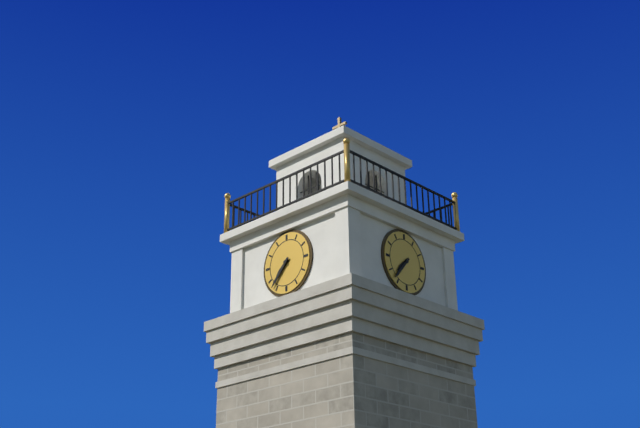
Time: {"hour": 7, "minute": 37}
